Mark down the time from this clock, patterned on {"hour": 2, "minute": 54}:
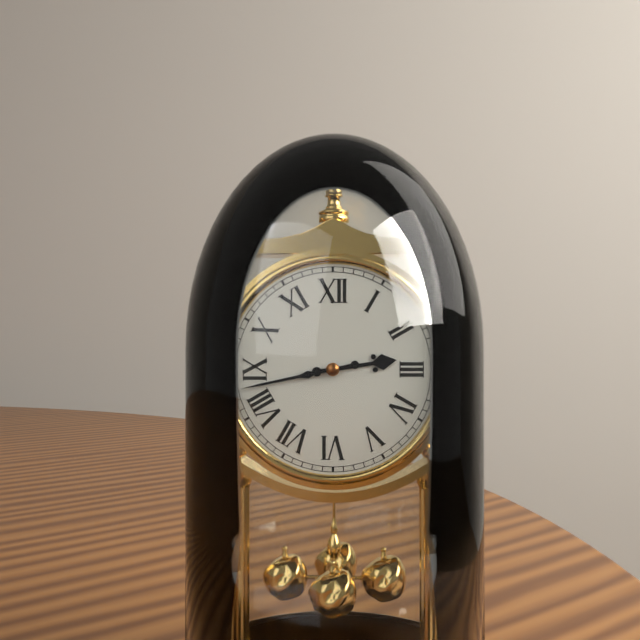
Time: {"hour": 2, "minute": 43}
